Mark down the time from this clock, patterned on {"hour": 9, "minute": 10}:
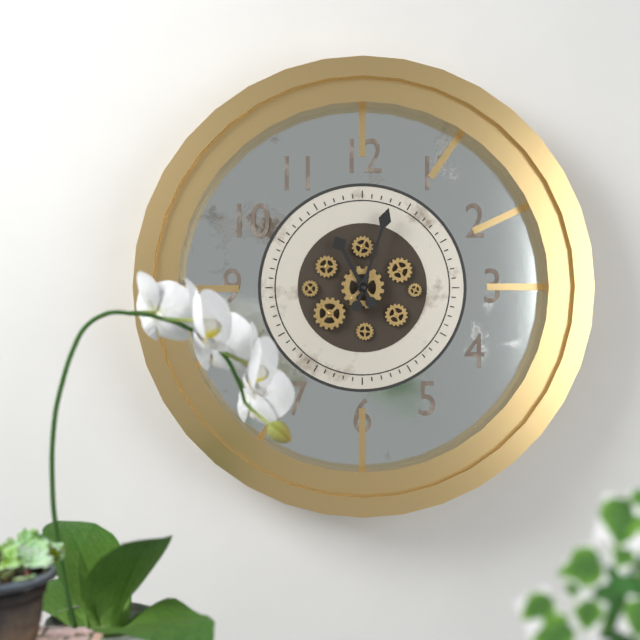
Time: {"hour": 11, "minute": 3}
